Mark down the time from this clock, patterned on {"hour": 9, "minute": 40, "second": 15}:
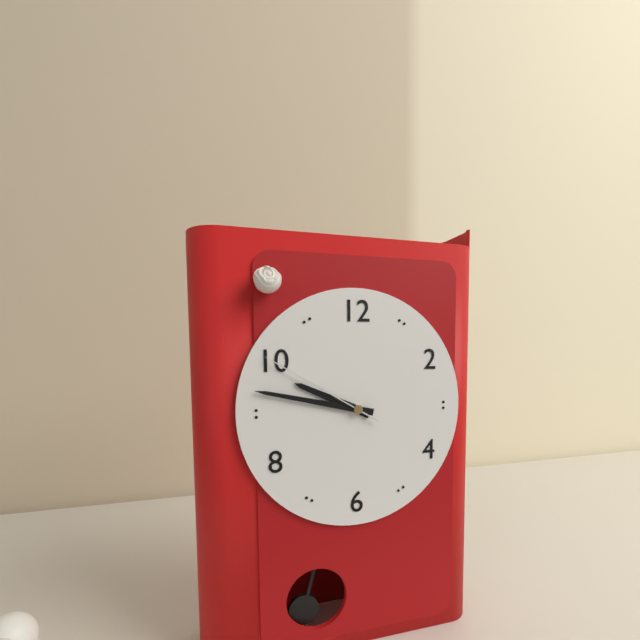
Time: {"hour": 9, "minute": 47, "second": 50}
